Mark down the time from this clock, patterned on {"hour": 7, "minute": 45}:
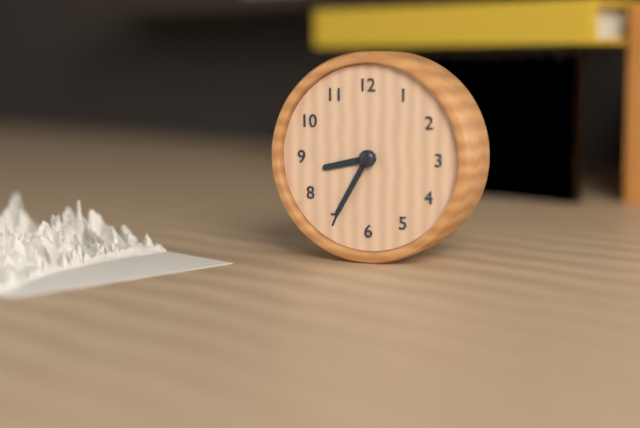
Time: {"hour": 8, "minute": 35}
